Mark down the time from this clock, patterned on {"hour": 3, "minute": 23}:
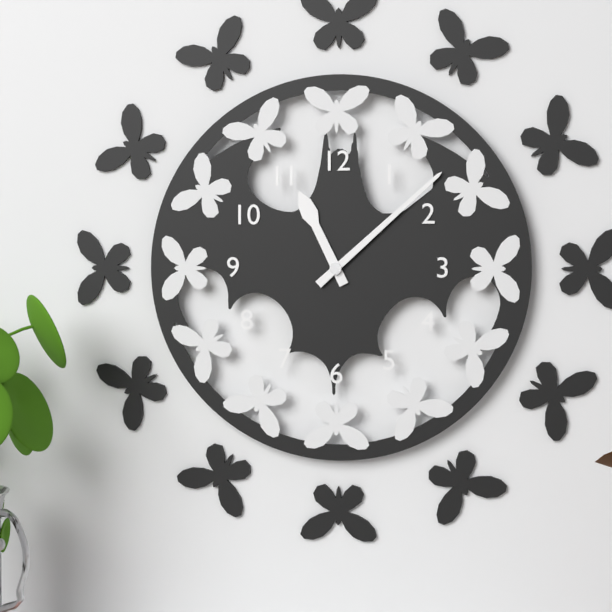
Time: {"hour": 11, "minute": 8}
